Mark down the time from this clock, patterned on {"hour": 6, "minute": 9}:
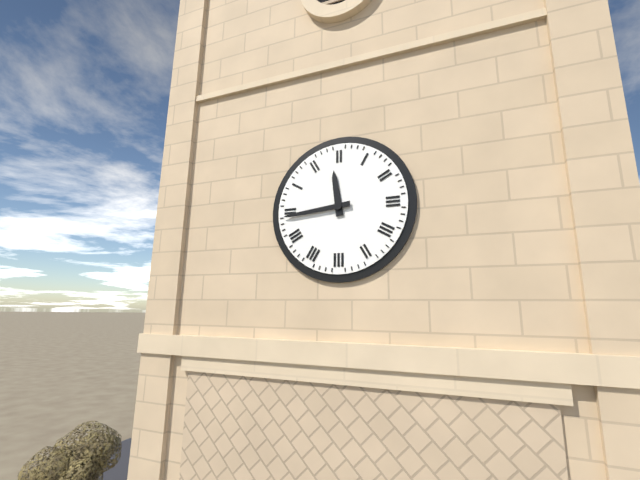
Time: {"hour": 11, "minute": 44}
